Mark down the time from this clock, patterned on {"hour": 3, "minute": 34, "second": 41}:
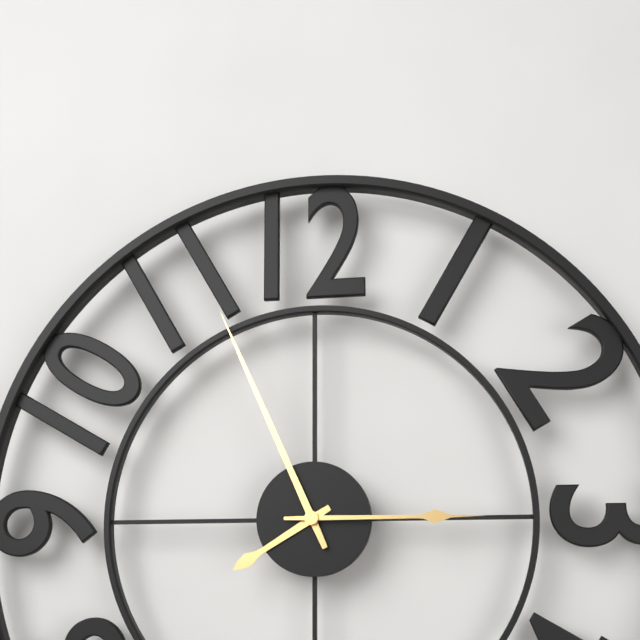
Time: {"hour": 7, "minute": 56, "second": 15}
